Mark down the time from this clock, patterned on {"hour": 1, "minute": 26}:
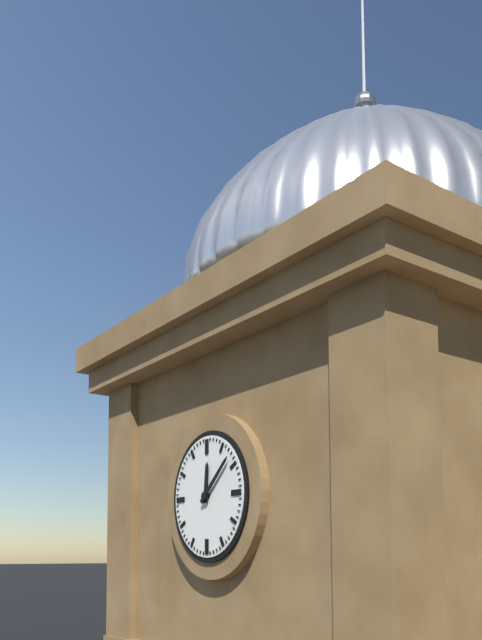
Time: {"hour": 12, "minute": 8}
